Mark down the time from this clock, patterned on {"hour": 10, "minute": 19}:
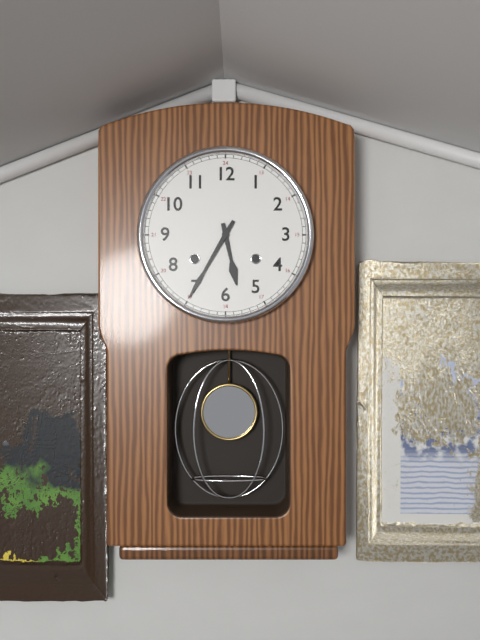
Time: {"hour": 5, "minute": 35}
